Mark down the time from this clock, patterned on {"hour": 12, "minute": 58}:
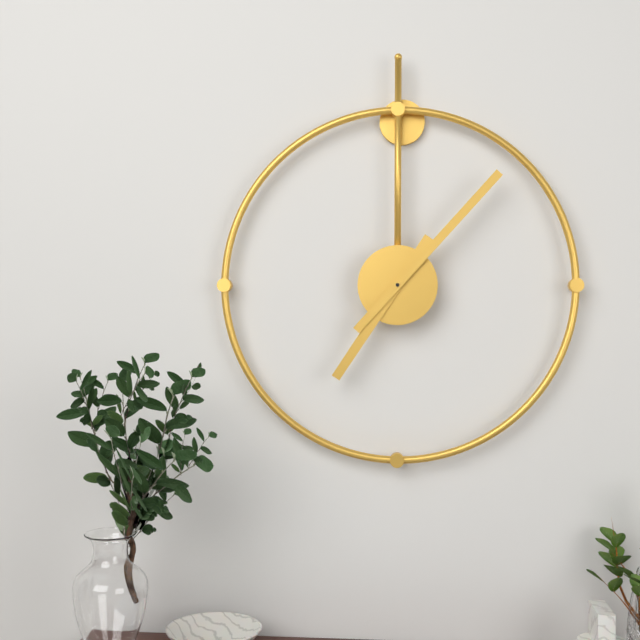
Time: {"hour": 7, "minute": 7}
